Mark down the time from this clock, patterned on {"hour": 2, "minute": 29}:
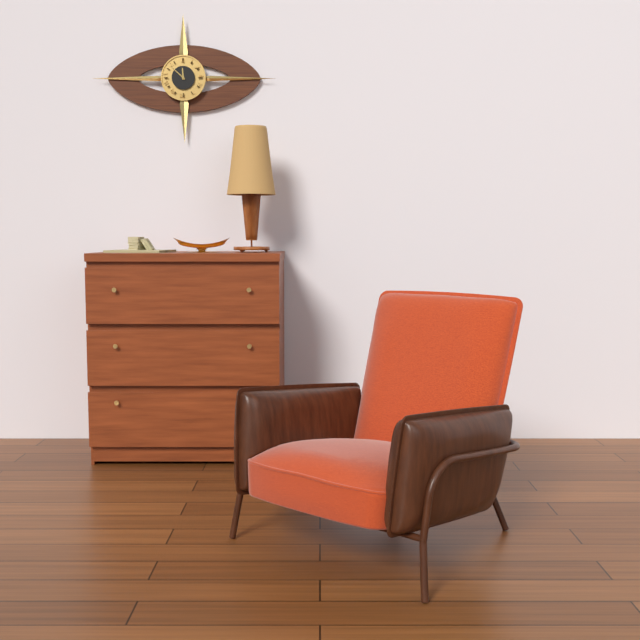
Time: {"hour": 11, "minute": 52}
